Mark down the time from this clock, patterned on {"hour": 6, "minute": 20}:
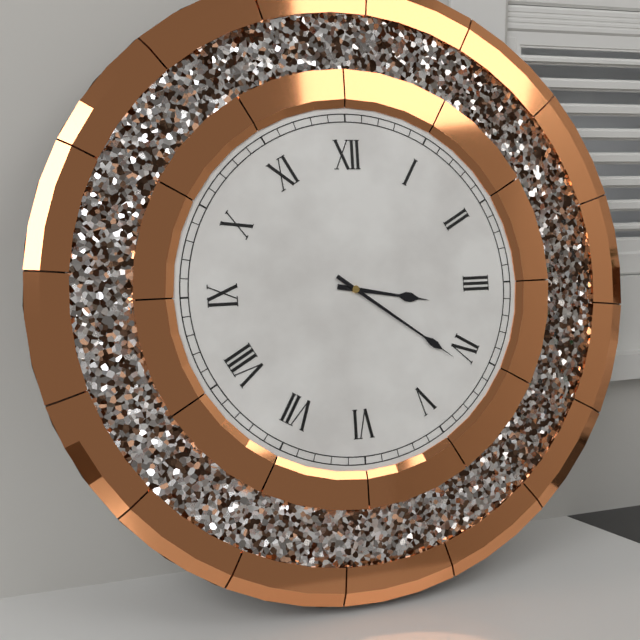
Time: {"hour": 3, "minute": 21}
